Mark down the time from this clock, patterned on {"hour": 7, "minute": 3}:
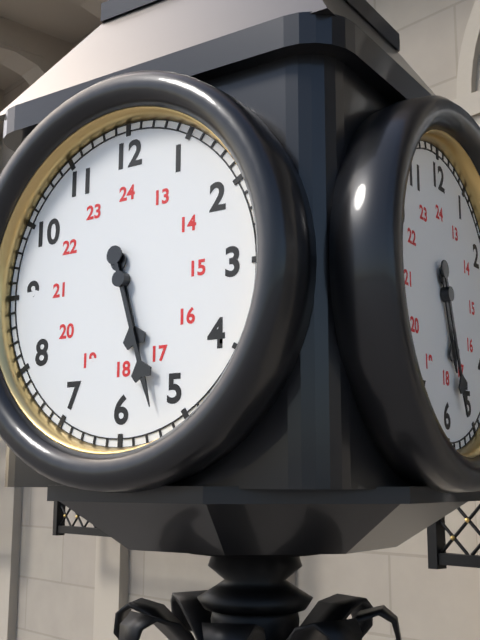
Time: {"hour": 5, "minute": 27}
